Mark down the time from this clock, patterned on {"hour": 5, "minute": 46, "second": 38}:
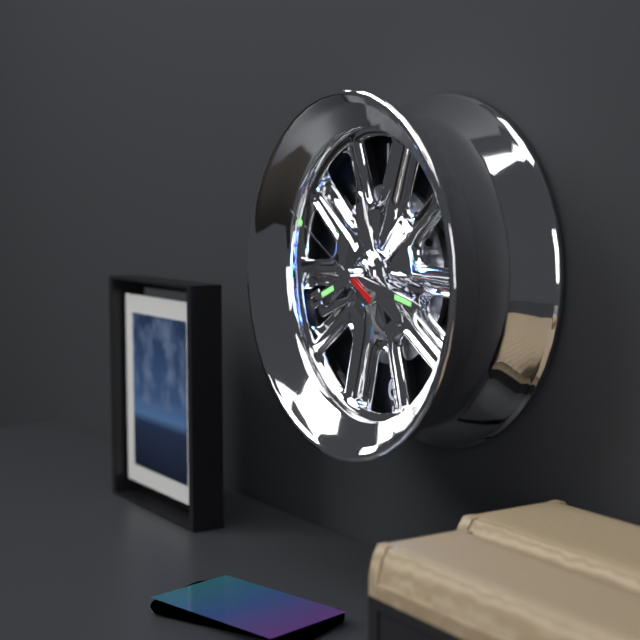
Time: {"hour": 8, "minute": 17, "second": 50}
